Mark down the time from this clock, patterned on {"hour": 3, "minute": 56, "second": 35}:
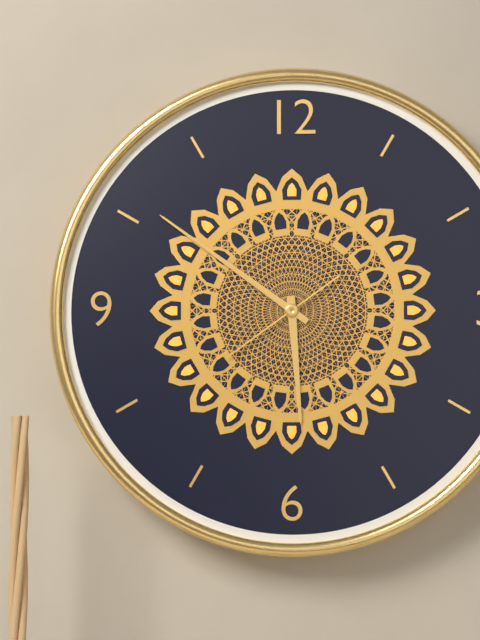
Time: {"hour": 5, "minute": 51, "second": 39}
